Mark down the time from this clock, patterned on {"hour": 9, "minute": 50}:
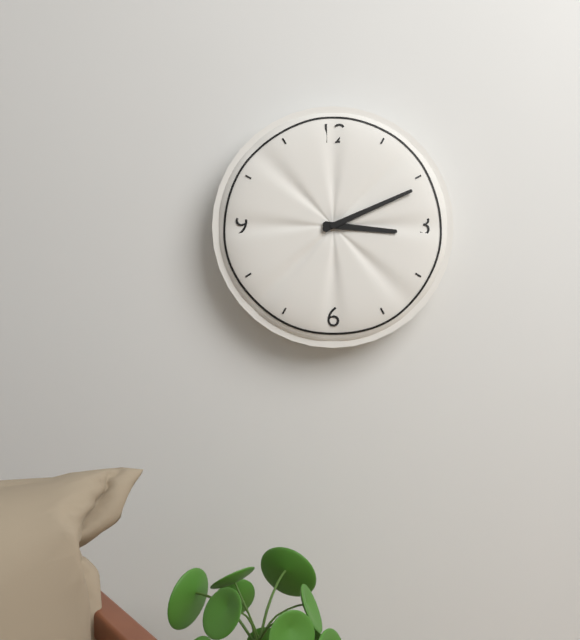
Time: {"hour": 3, "minute": 11}
